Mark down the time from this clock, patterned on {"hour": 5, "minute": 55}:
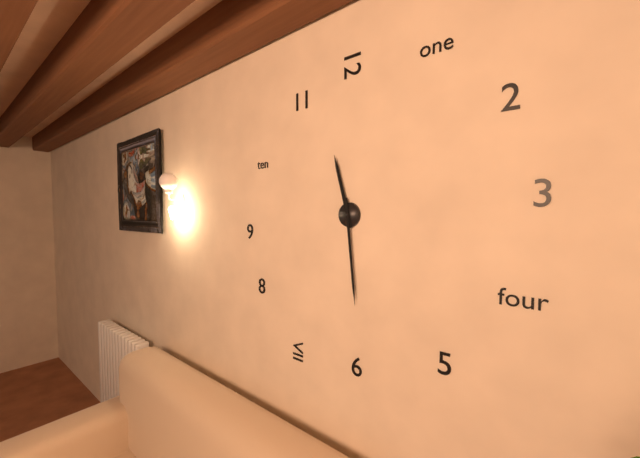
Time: {"hour": 11, "minute": 29}
